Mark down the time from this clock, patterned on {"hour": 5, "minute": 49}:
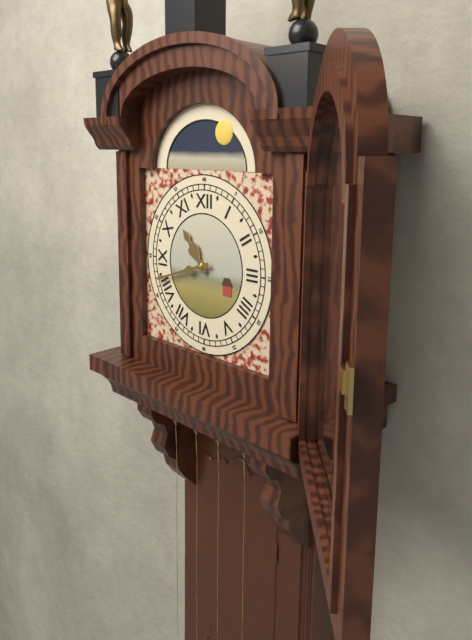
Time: {"hour": 10, "minute": 42}
